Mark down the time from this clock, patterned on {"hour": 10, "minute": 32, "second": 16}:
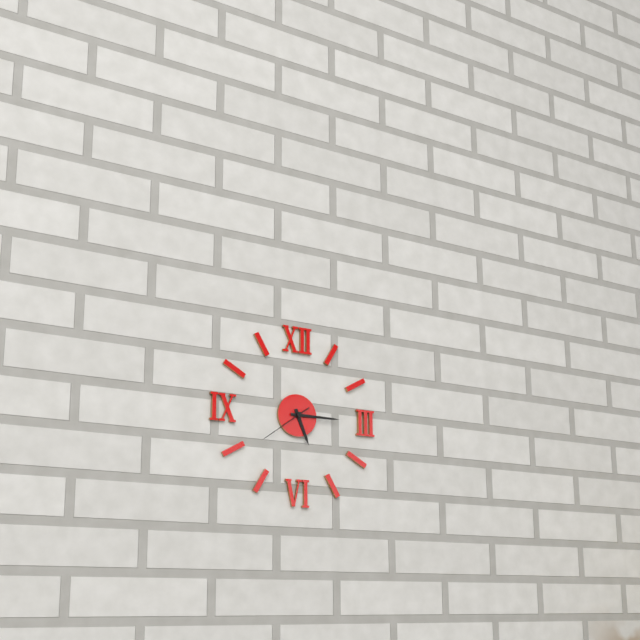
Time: {"hour": 5, "minute": 15, "second": 39}
